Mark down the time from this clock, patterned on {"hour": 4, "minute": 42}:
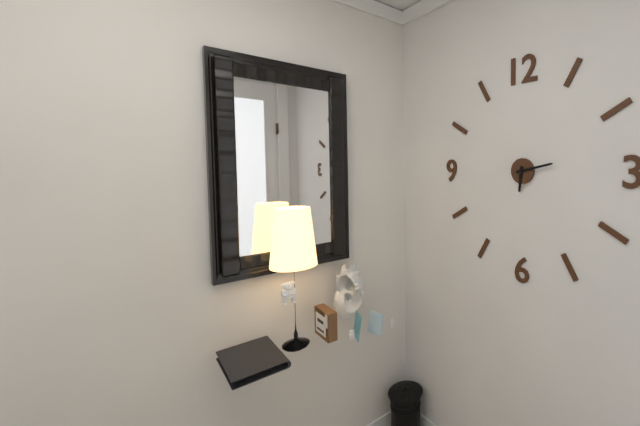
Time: {"hour": 6, "minute": 13}
